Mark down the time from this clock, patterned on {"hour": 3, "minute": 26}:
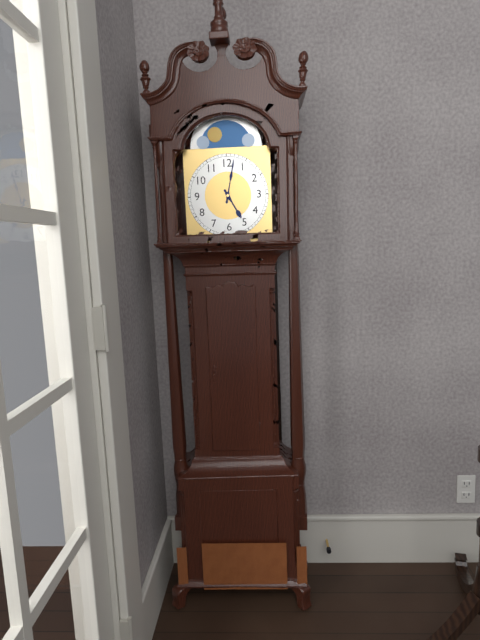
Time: {"hour": 5, "minute": 2}
